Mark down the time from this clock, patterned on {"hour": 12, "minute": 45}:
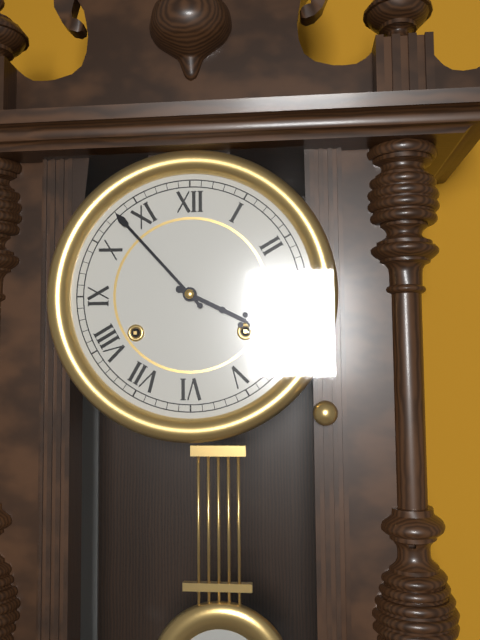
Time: {"hour": 3, "minute": 53}
